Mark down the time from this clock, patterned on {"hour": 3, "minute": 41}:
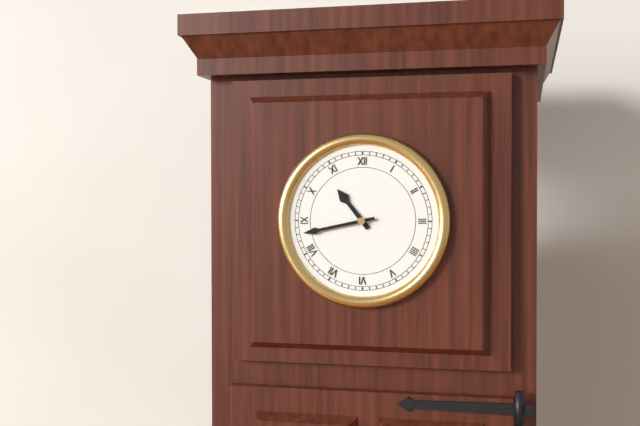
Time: {"hour": 10, "minute": 43}
